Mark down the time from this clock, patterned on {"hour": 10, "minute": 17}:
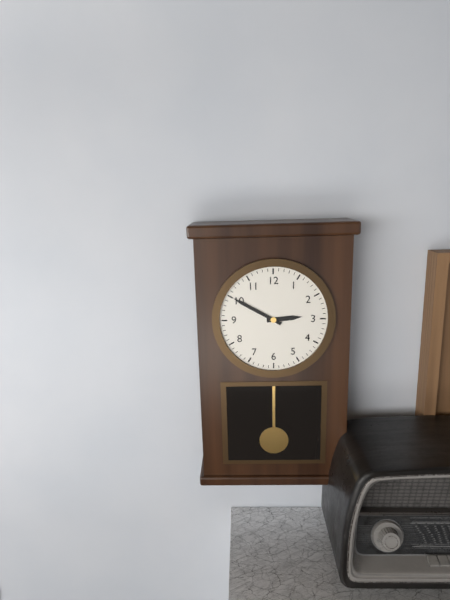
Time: {"hour": 2, "minute": 50}
